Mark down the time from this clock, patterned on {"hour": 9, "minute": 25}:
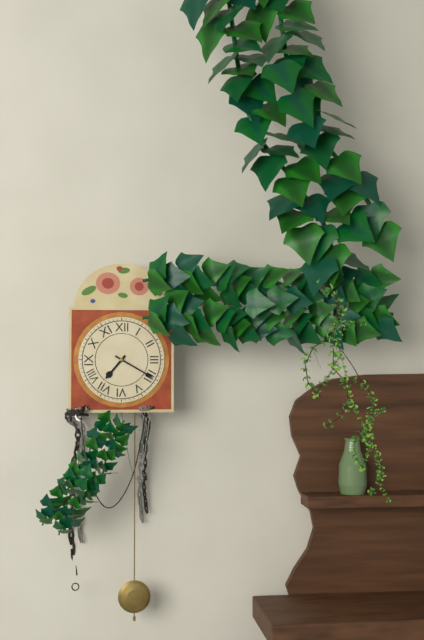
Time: {"hour": 7, "minute": 20}
